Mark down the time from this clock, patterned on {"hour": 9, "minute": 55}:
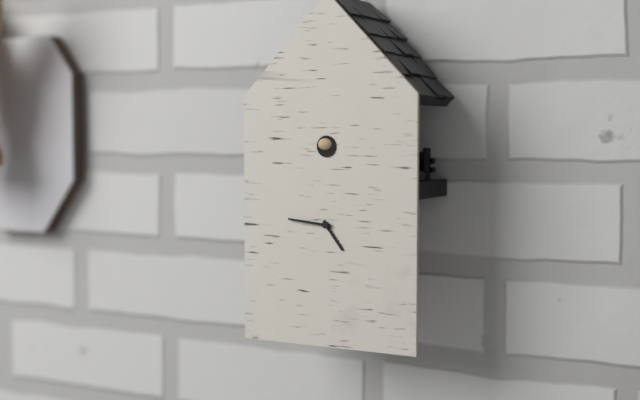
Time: {"hour": 4, "minute": 46}
